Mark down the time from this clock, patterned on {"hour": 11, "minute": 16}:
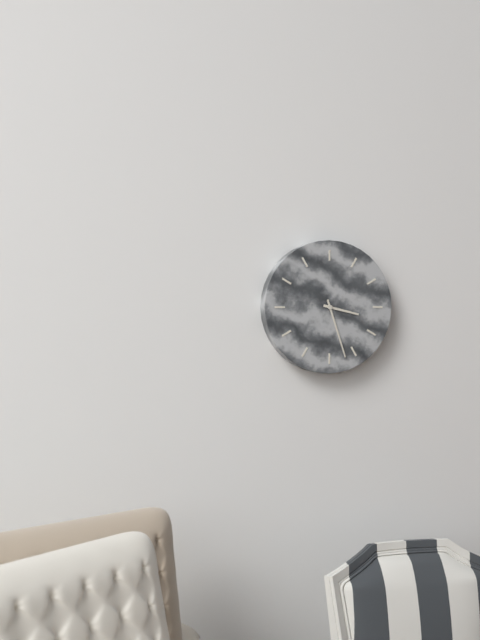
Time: {"hour": 3, "minute": 27}
